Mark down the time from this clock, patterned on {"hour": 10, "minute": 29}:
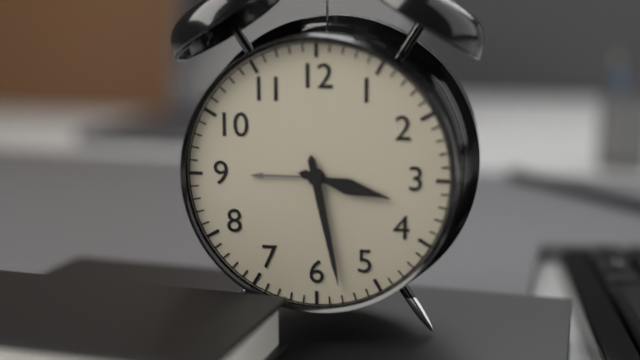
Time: {"hour": 3, "minute": 28}
